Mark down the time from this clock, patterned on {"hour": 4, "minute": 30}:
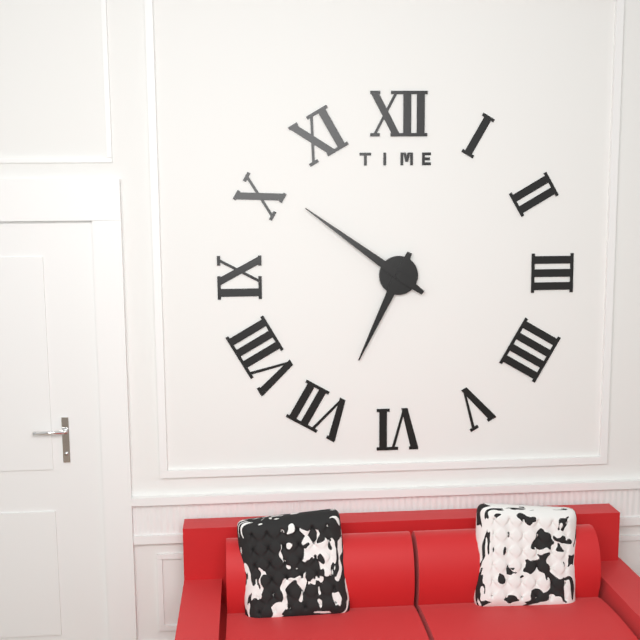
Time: {"hour": 6, "minute": 51}
